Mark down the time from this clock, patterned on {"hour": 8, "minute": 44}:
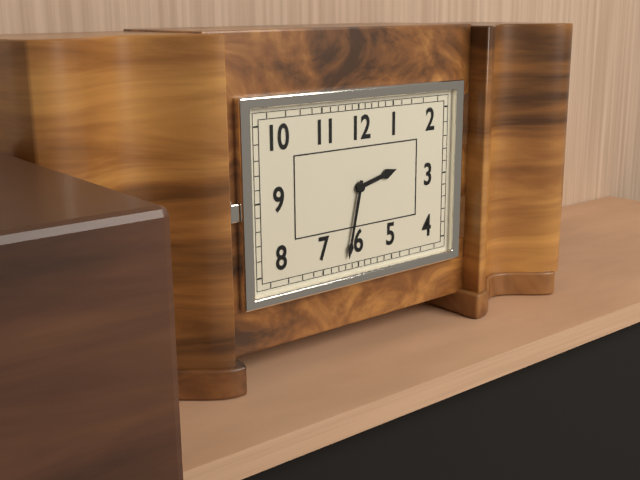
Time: {"hour": 2, "minute": 32}
